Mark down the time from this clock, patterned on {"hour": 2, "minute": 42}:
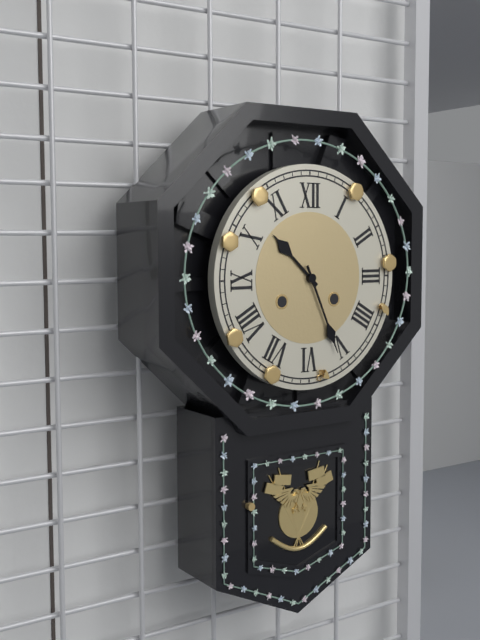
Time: {"hour": 10, "minute": 26}
